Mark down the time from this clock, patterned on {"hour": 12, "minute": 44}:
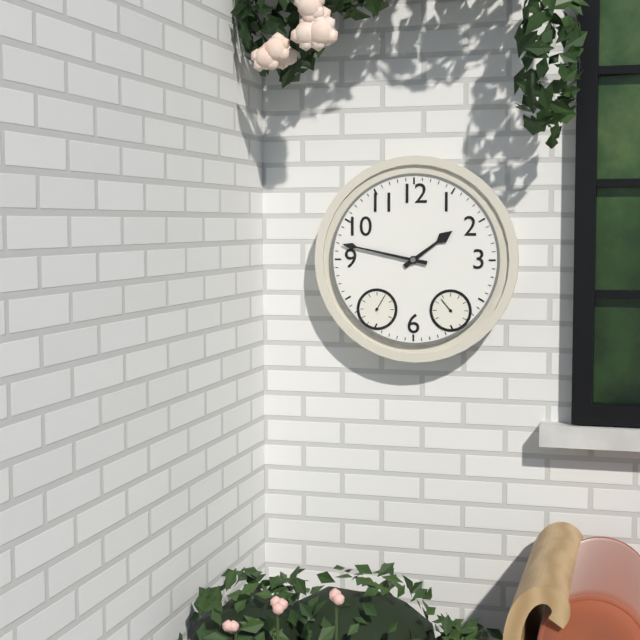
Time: {"hour": 1, "minute": 47}
